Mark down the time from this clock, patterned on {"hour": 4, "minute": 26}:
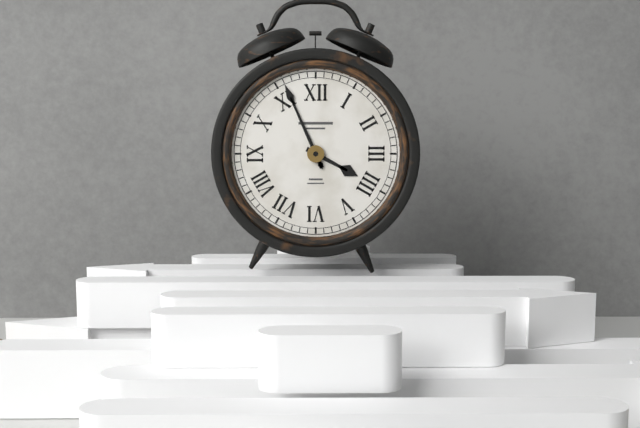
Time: {"hour": 3, "minute": 56}
